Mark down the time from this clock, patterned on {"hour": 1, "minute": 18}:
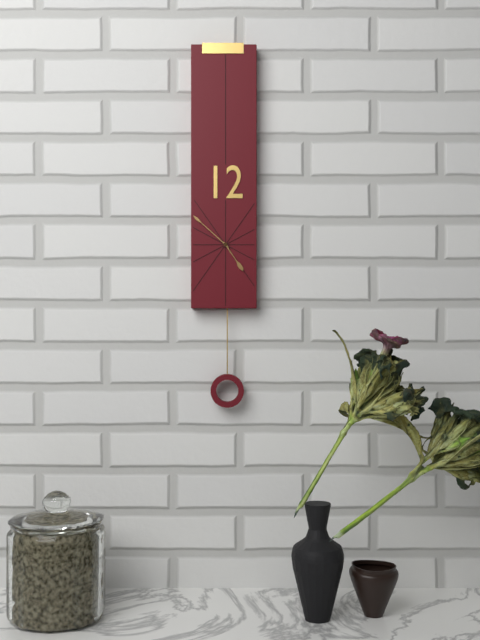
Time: {"hour": 4, "minute": 52}
